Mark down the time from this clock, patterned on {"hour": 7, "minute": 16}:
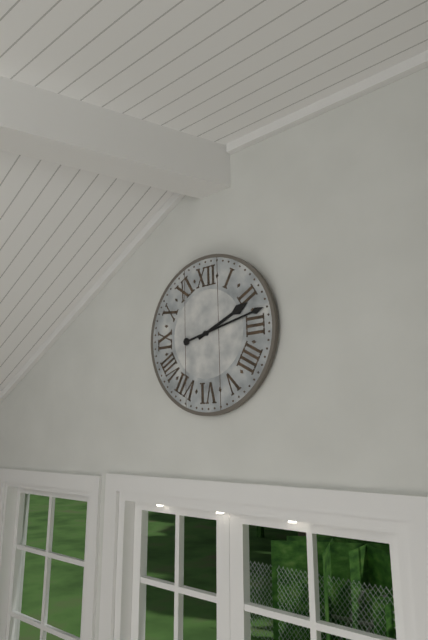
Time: {"hour": 2, "minute": 13}
